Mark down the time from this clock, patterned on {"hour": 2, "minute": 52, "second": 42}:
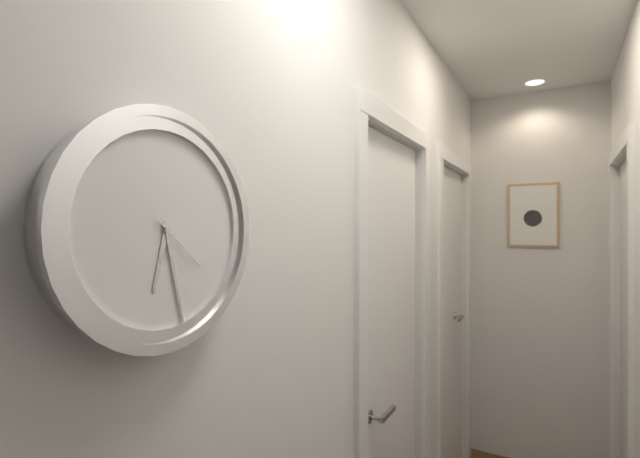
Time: {"hour": 6, "minute": 28, "second": 22}
